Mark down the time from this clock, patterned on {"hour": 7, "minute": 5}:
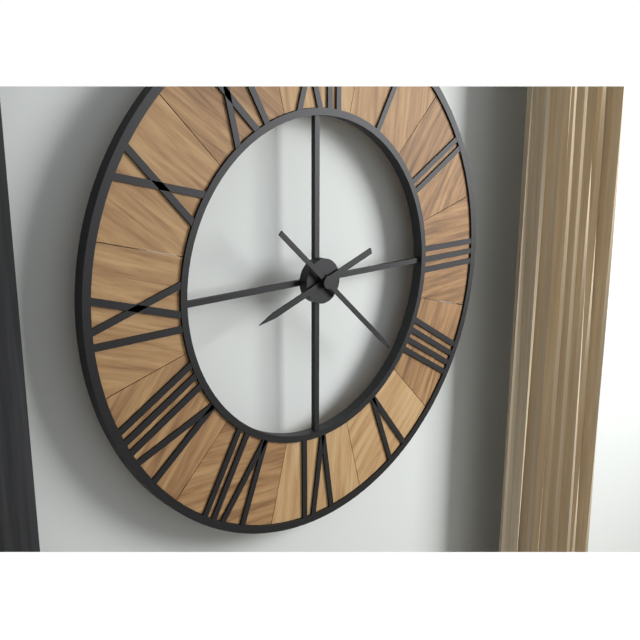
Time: {"hour": 8, "minute": 22}
